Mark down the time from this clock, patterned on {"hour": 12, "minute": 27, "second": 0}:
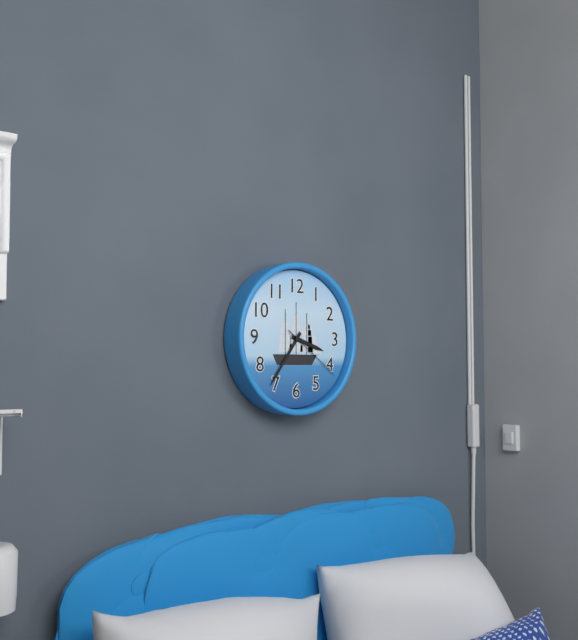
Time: {"hour": 3, "minute": 36, "second": 21}
